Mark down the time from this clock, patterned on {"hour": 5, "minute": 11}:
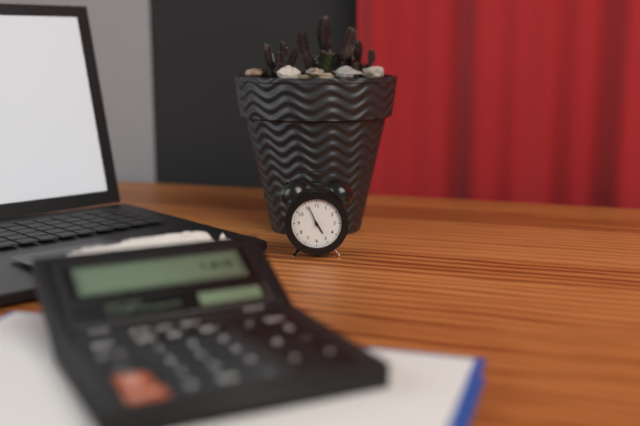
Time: {"hour": 4, "minute": 56}
